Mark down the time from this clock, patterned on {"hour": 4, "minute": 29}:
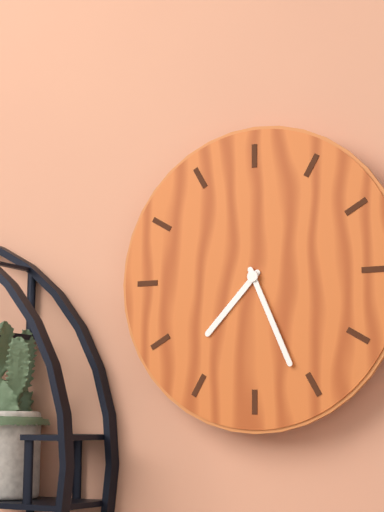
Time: {"hour": 7, "minute": 26}
